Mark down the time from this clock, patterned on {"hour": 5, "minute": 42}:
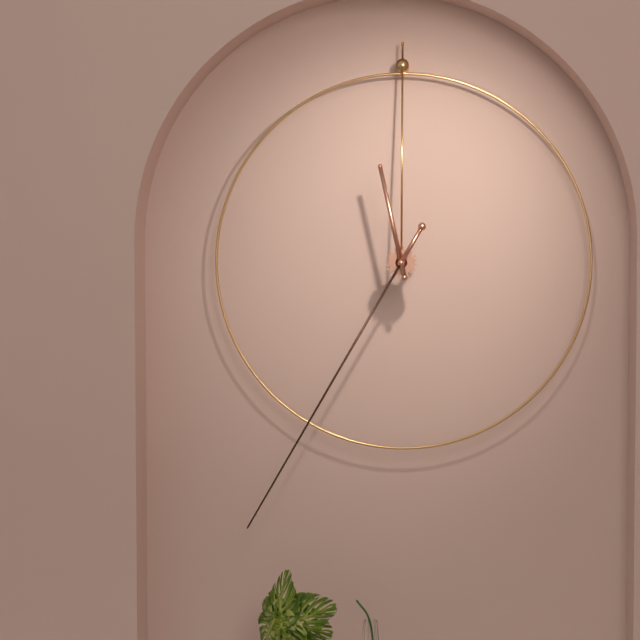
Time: {"hour": 11, "minute": 35}
